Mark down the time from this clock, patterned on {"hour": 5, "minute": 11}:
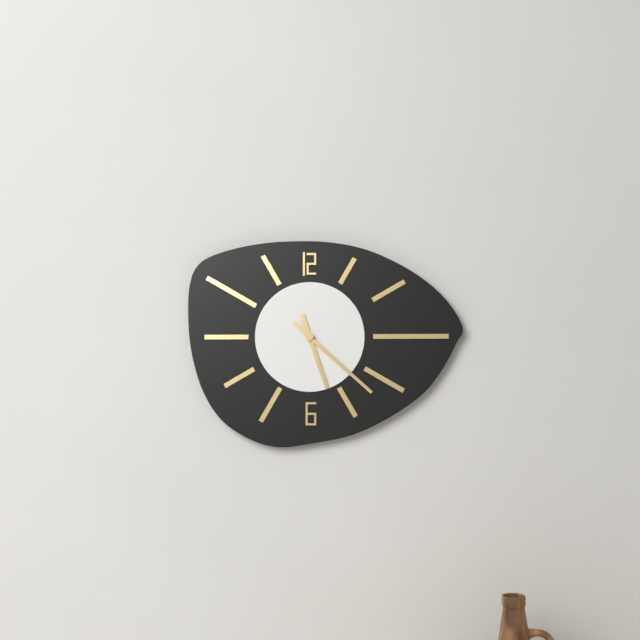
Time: {"hour": 5, "minute": 22}
